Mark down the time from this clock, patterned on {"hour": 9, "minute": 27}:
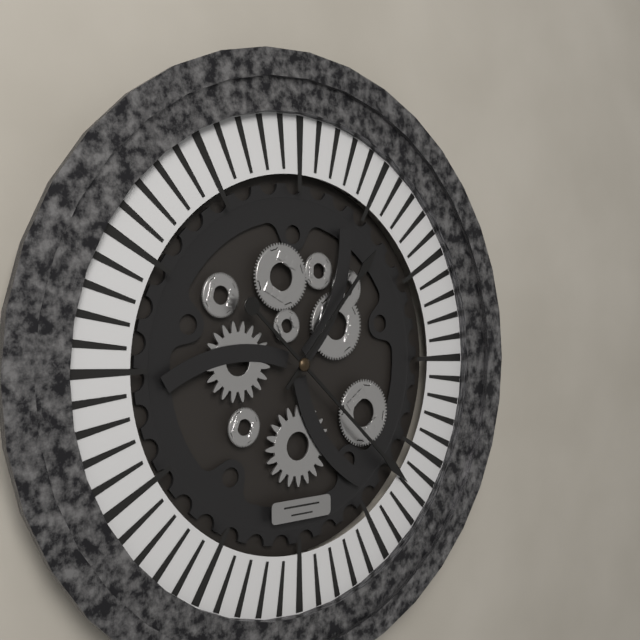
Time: {"hour": 1, "minute": 22}
